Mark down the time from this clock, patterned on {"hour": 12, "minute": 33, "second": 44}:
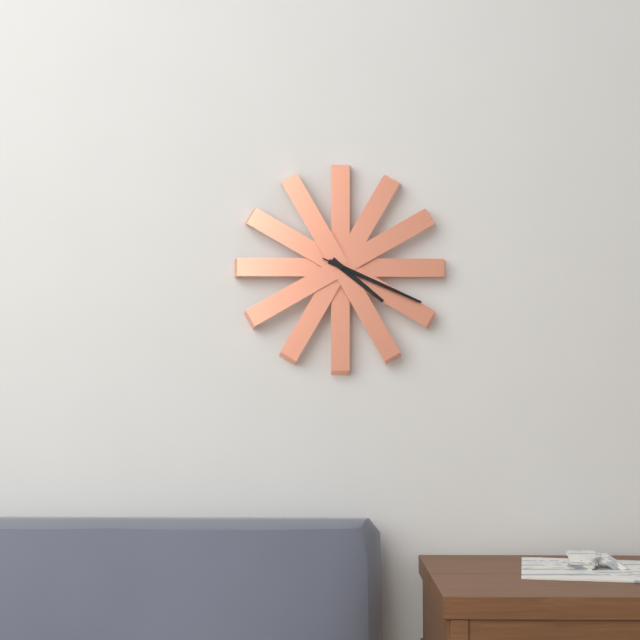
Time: {"hour": 4, "minute": 19, "second": 19}
